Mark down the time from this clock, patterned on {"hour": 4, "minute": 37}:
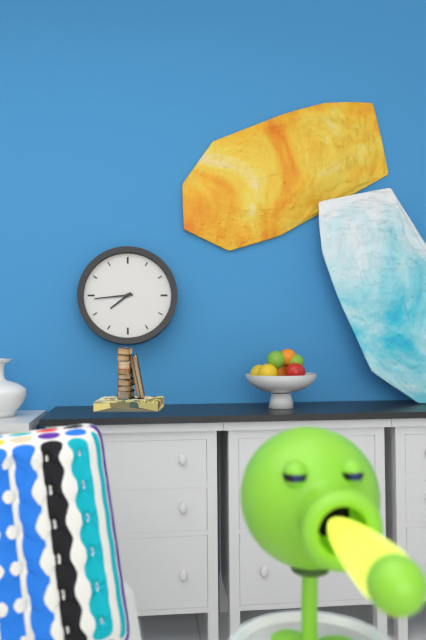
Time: {"hour": 7, "minute": 44}
